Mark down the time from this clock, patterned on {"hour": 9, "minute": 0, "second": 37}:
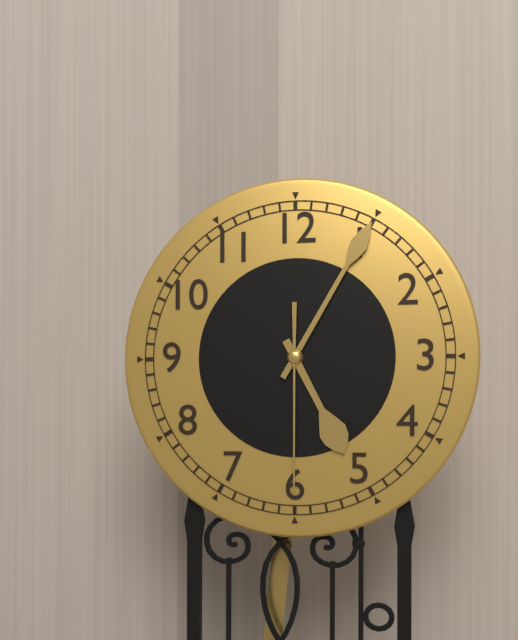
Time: {"hour": 5, "minute": 5, "second": 30}
